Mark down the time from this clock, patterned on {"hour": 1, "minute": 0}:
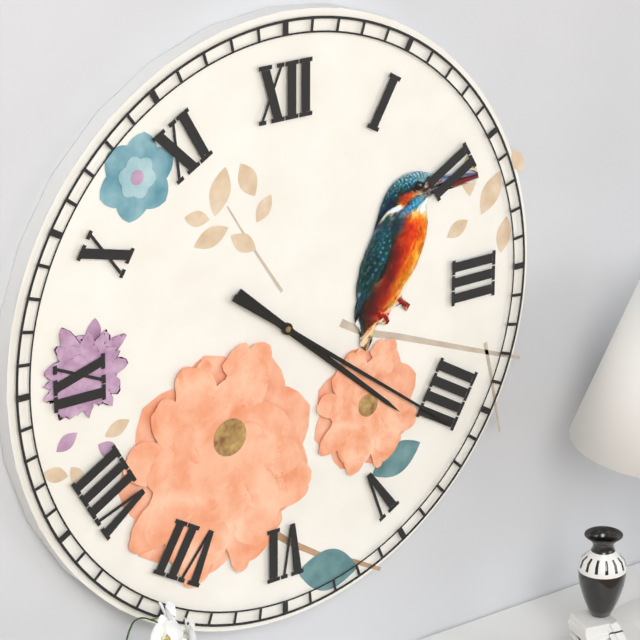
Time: {"hour": 4, "minute": 21}
